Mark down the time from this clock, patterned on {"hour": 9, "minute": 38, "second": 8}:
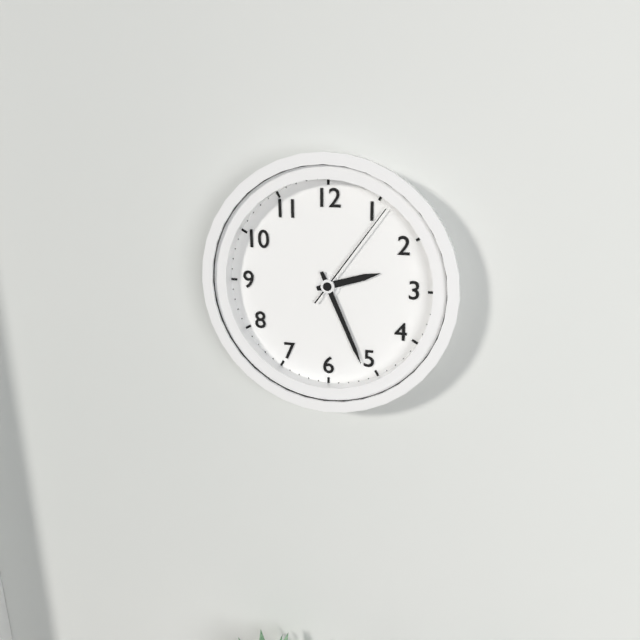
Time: {"hour": 2, "minute": 26, "second": 6}
